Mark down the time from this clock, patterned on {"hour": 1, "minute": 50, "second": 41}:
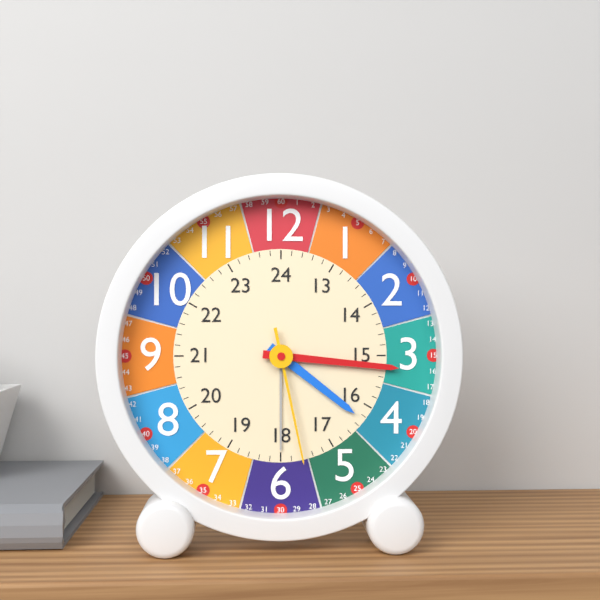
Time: {"hour": 4, "minute": 16, "second": 28}
